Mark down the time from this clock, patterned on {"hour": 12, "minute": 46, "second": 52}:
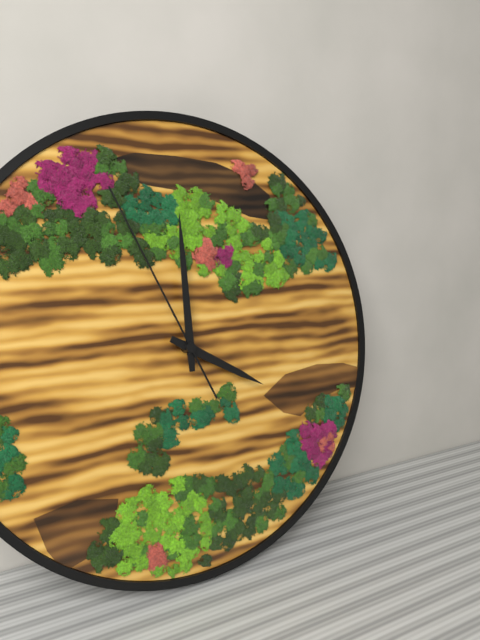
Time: {"hour": 4, "minute": 0, "second": 56}
